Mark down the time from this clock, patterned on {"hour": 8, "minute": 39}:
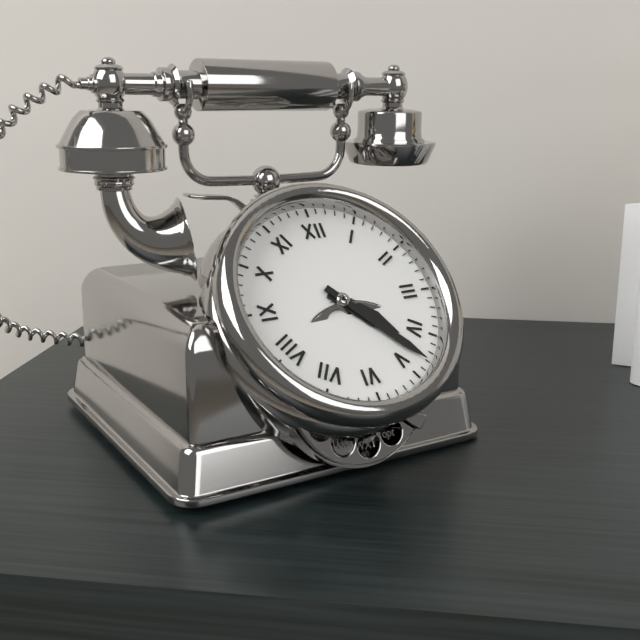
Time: {"hour": 4, "minute": 23}
